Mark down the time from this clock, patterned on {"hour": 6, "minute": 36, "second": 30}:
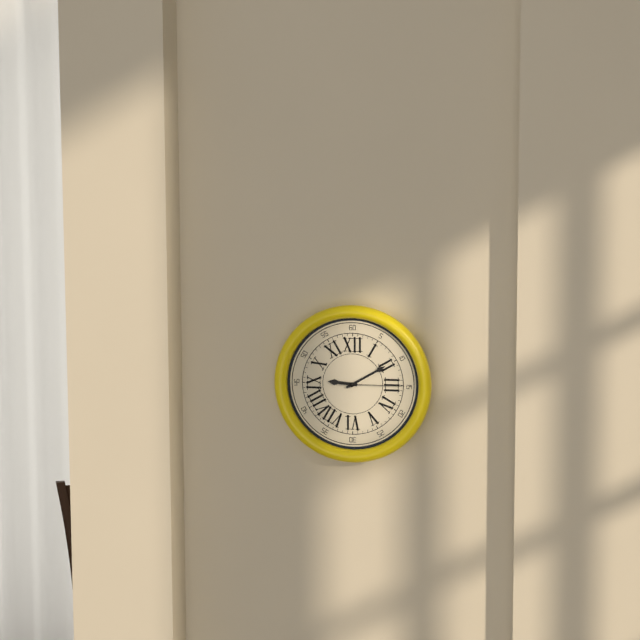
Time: {"hour": 9, "minute": 10, "second": 15}
